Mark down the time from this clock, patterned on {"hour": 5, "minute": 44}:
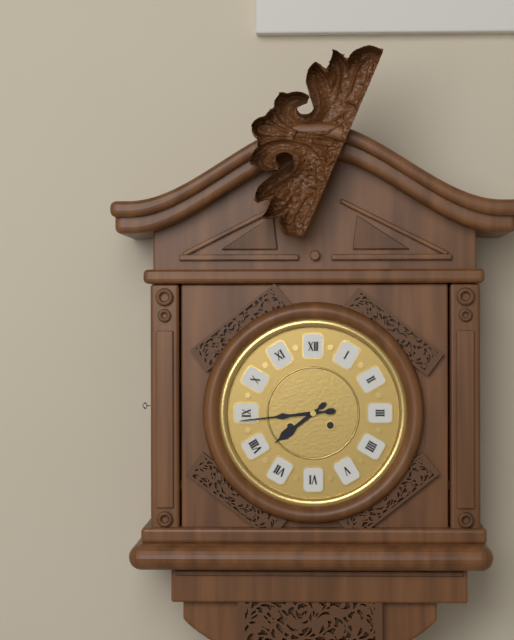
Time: {"hour": 7, "minute": 44}
